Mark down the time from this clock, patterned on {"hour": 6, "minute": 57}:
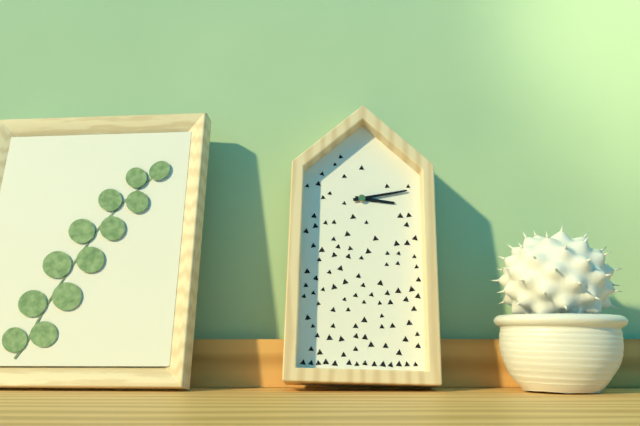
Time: {"hour": 3, "minute": 13}
